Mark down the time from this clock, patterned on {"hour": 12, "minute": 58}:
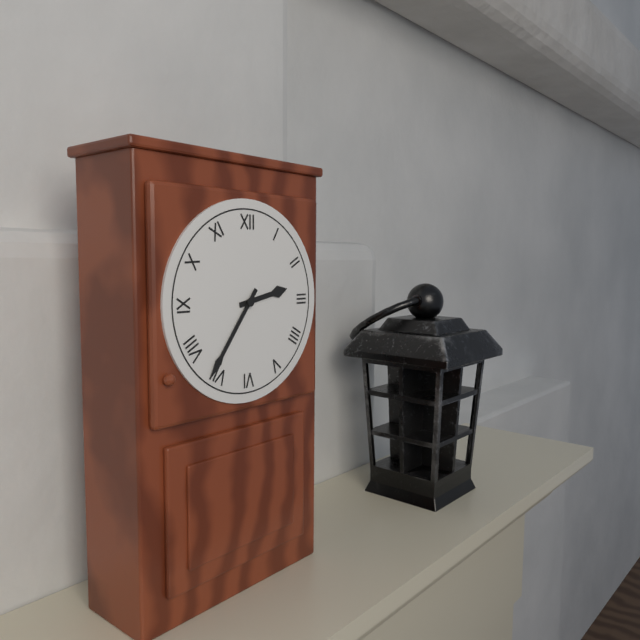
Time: {"hour": 2, "minute": 36}
